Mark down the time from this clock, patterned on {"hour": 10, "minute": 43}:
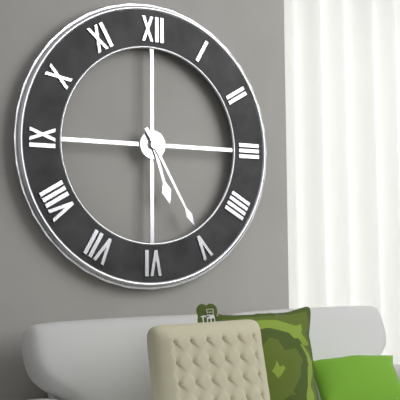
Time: {"hour": 5, "minute": 25}
